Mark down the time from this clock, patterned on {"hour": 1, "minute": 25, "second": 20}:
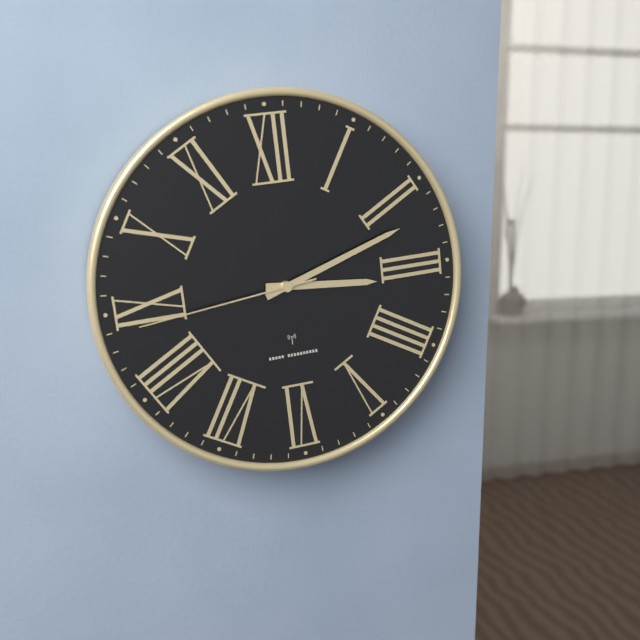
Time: {"hour": 3, "minute": 12, "second": 44}
